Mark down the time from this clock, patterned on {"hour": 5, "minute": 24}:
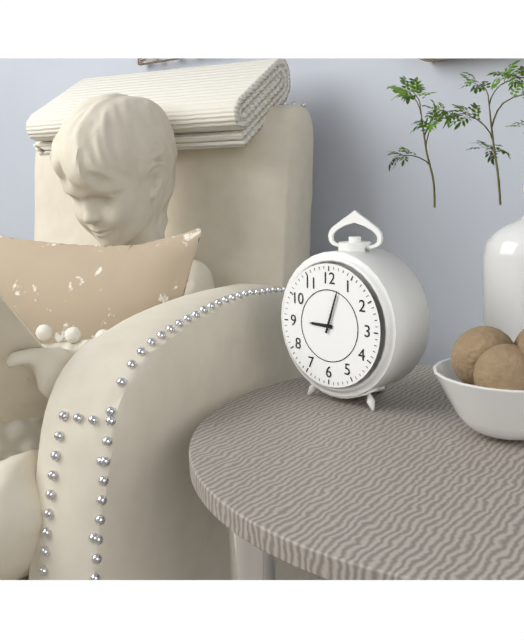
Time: {"hour": 9, "minute": 3}
